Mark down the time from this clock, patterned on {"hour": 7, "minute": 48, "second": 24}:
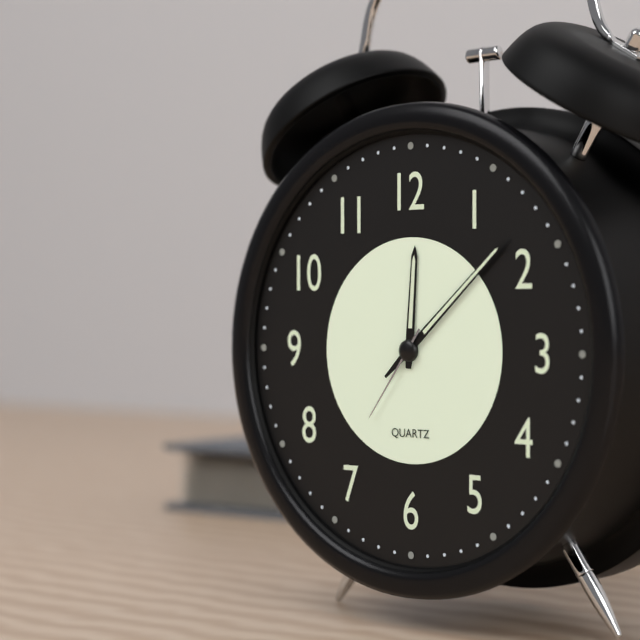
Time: {"hour": 12, "minute": 8, "second": 36}
